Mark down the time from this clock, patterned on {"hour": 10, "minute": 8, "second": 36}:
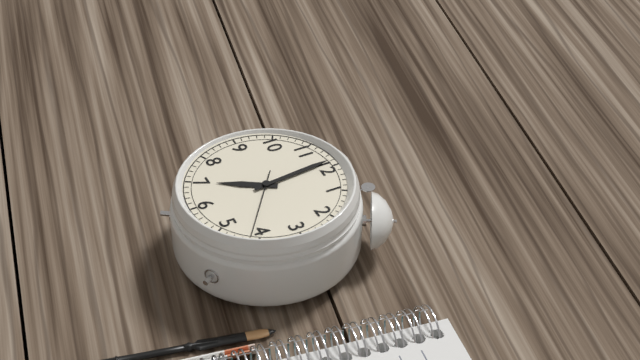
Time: {"hour": 6, "minute": 59, "second": 21}
